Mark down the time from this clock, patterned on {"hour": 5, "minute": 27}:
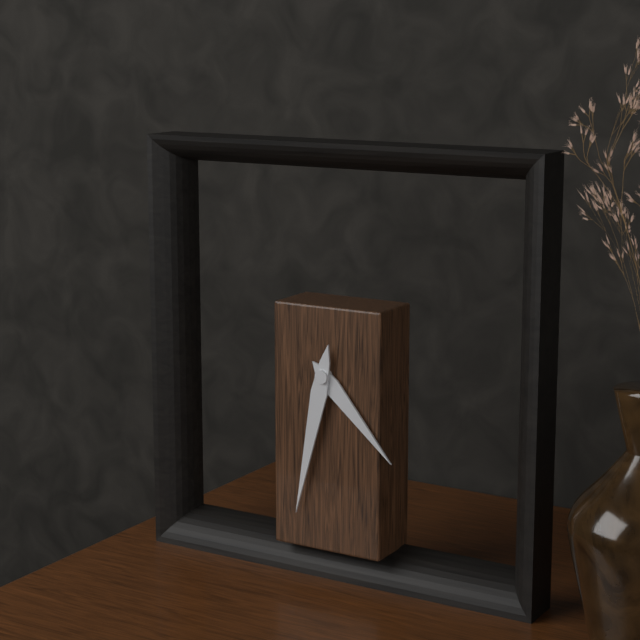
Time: {"hour": 4, "minute": 32}
